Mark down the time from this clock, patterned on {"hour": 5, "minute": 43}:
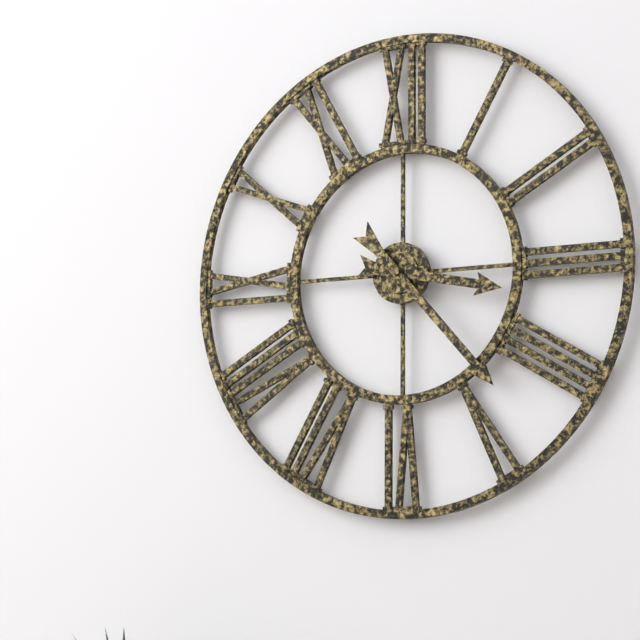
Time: {"hour": 3, "minute": 23}
